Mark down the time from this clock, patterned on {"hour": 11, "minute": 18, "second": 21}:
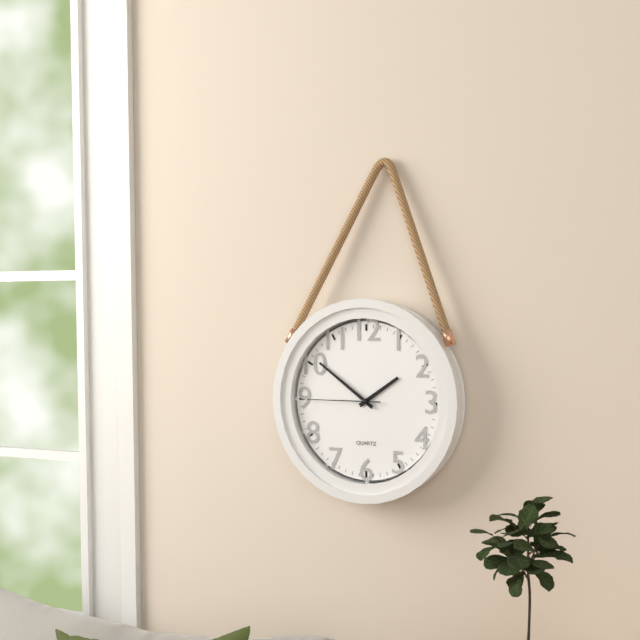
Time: {"hour": 1, "minute": 51, "second": 45}
